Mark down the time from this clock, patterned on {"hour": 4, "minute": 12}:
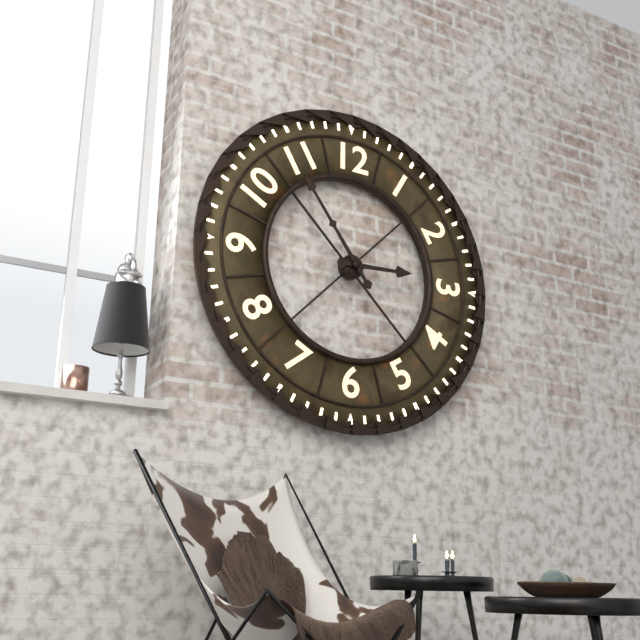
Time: {"hour": 2, "minute": 54}
